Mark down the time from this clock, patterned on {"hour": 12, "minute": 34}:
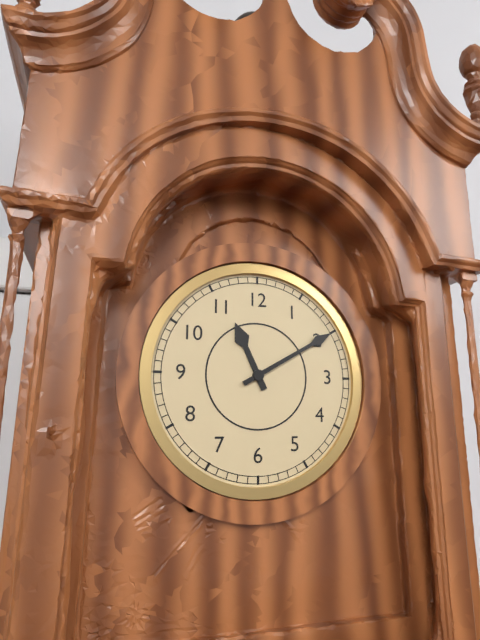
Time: {"hour": 11, "minute": 10}
